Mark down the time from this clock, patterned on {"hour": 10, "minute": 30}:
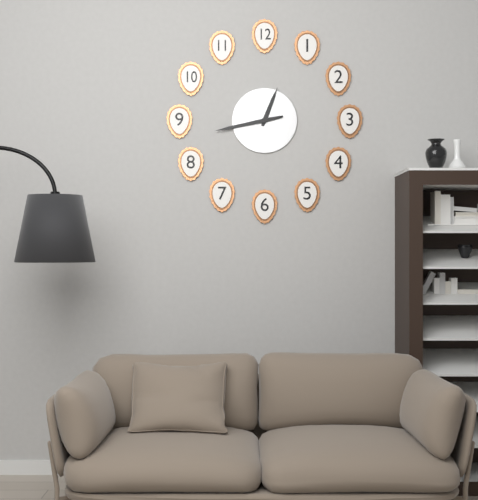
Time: {"hour": 12, "minute": 43}
